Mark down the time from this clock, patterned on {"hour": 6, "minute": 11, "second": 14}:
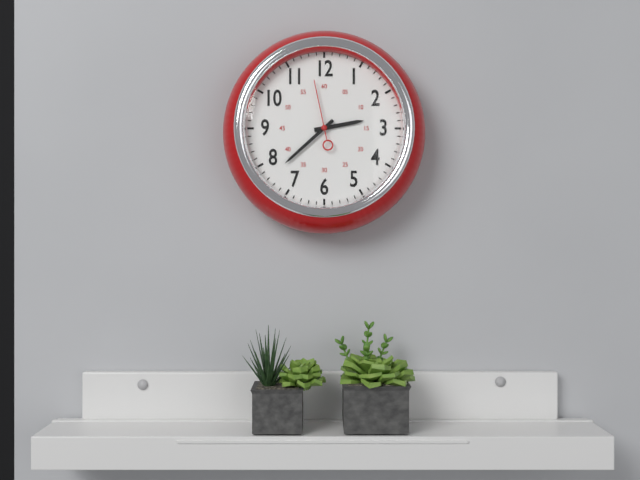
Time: {"hour": 2, "minute": 38, "second": 58}
